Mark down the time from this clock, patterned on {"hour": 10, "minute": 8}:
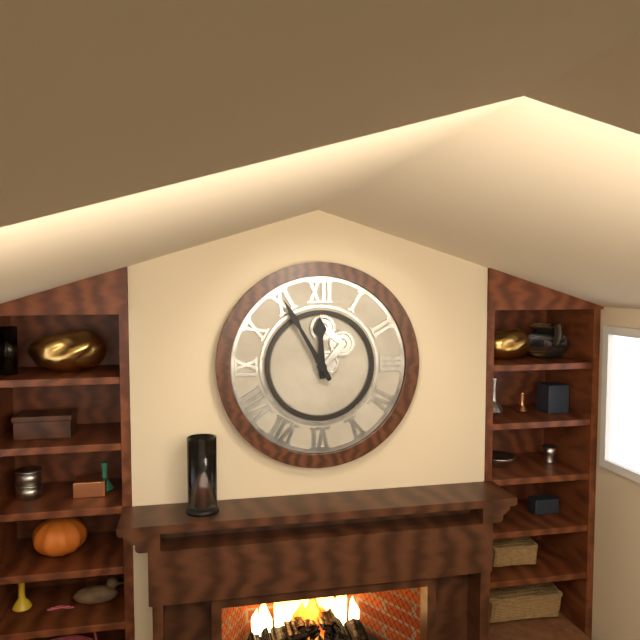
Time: {"hour": 11, "minute": 55}
